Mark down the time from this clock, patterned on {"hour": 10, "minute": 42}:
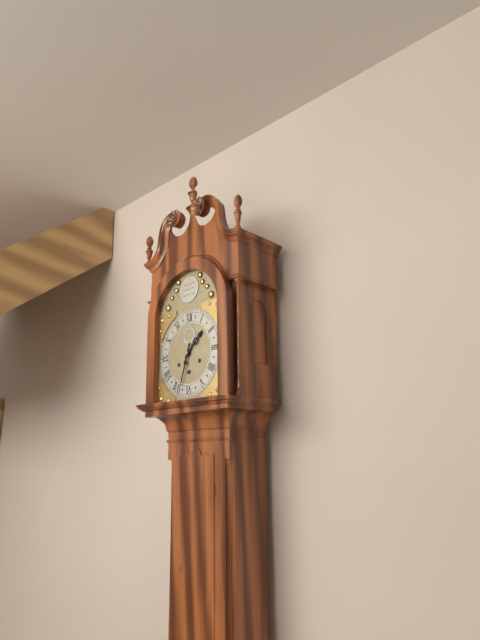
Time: {"hour": 1, "minute": 33}
